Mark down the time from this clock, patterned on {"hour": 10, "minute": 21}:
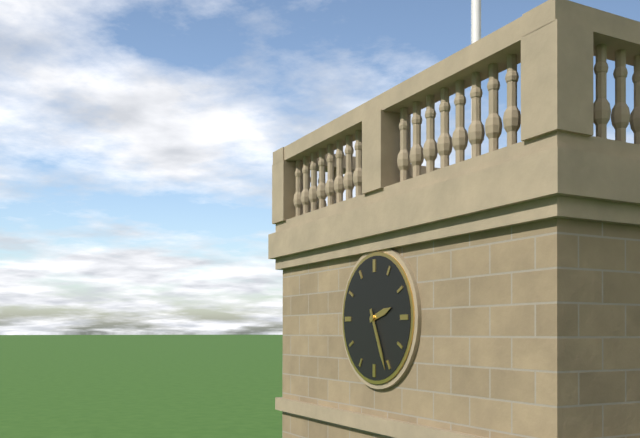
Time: {"hour": 2, "minute": 26}
